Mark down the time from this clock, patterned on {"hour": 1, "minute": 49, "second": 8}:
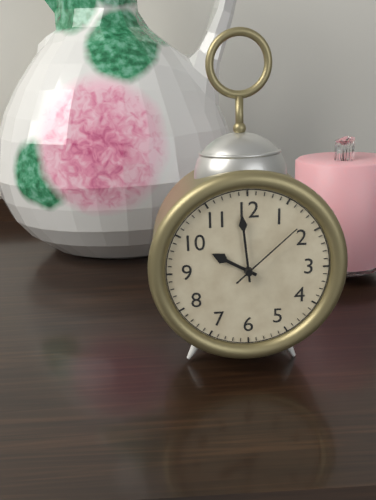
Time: {"hour": 9, "minute": 59, "second": 8}
